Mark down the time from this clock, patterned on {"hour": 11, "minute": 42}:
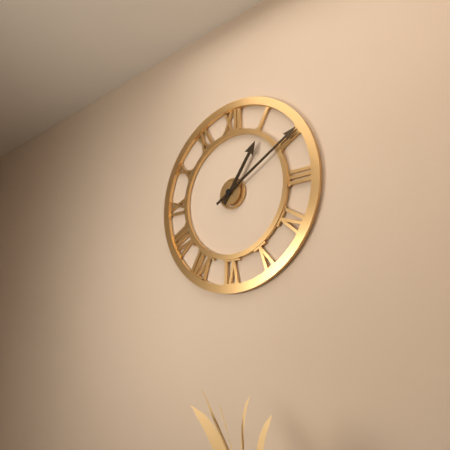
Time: {"hour": 1, "minute": 10}
